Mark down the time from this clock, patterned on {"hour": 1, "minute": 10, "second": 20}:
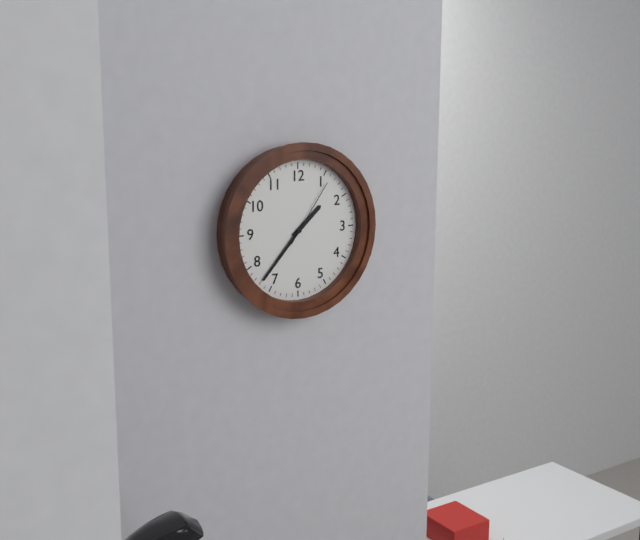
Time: {"hour": 1, "minute": 37, "second": 6}
